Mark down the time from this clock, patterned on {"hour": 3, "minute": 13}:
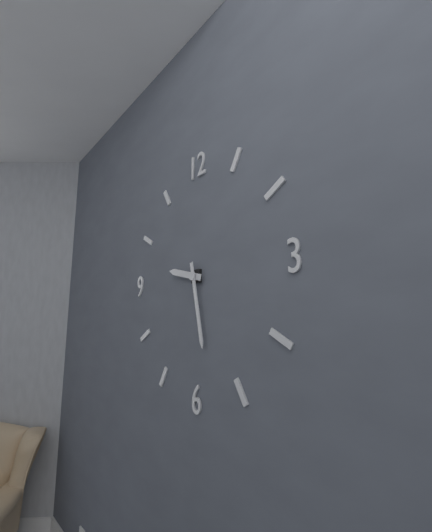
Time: {"hour": 9, "minute": 28}
